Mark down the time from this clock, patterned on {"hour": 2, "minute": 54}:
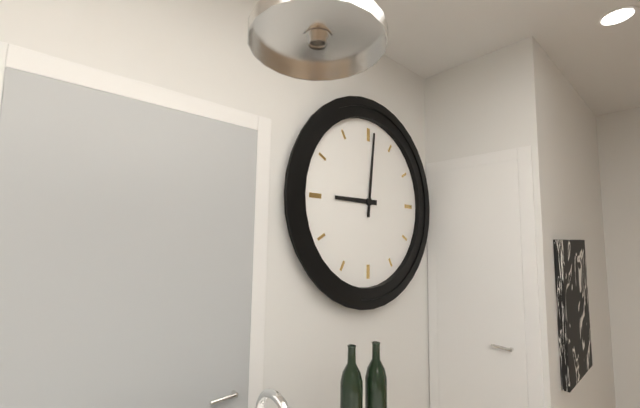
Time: {"hour": 9, "minute": 1}
